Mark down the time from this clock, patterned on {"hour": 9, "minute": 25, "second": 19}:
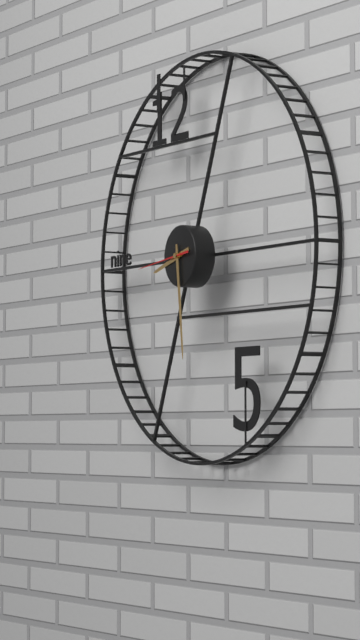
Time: {"hour": 8, "minute": 29, "second": 44}
